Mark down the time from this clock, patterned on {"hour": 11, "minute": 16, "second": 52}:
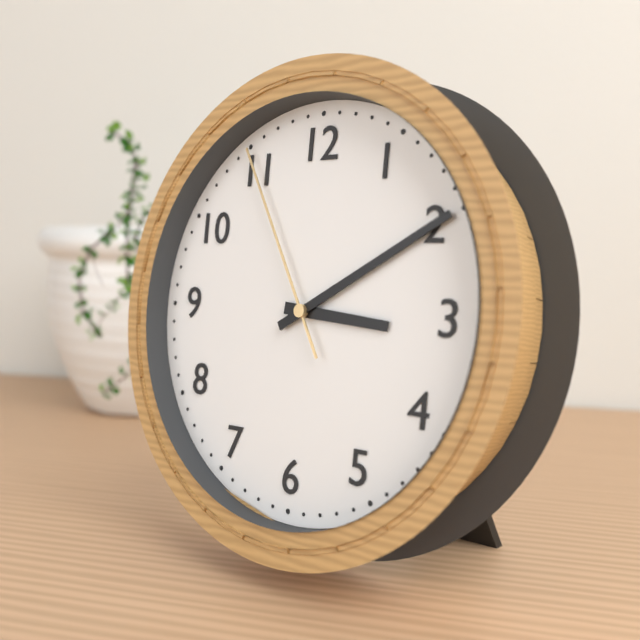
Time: {"hour": 3, "minute": 10, "second": 55}
